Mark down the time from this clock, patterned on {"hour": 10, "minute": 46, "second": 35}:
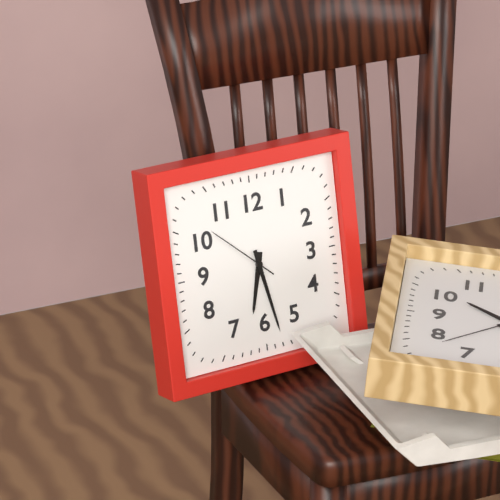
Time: {"hour": 6, "minute": 28, "second": 52}
